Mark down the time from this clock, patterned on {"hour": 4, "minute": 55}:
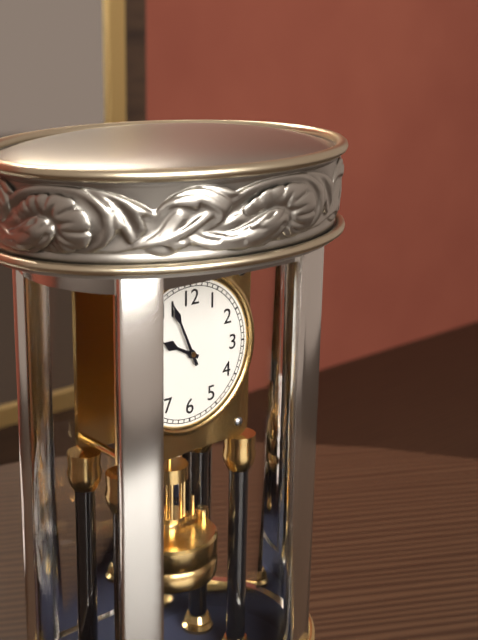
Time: {"hour": 9, "minute": 56}
